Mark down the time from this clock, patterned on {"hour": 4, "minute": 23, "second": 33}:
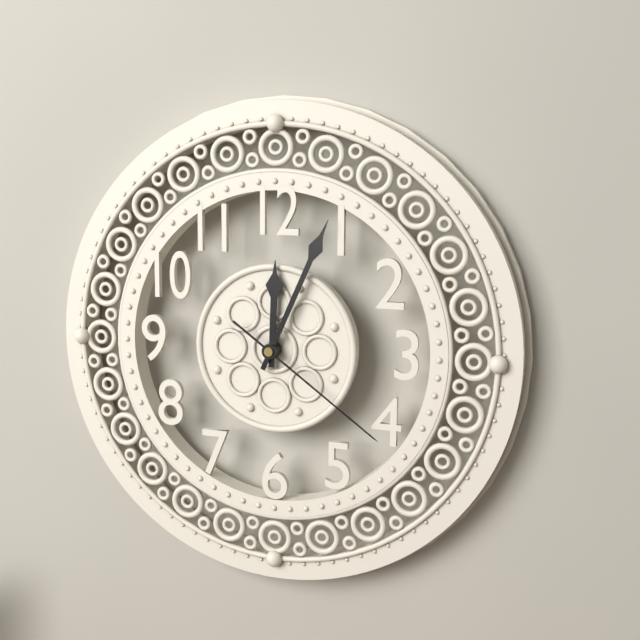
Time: {"hour": 12, "minute": 4, "second": 21}
